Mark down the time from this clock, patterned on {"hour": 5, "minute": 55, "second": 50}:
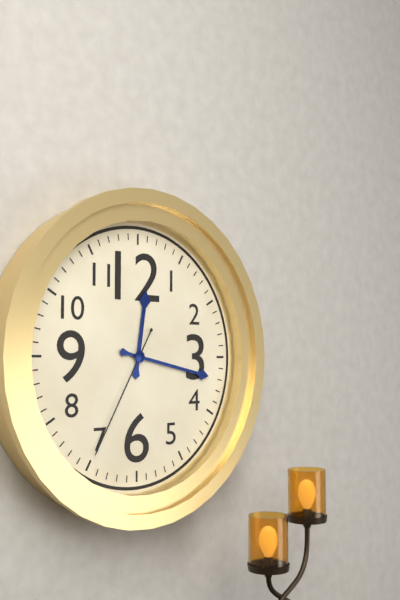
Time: {"hour": 12, "minute": 17, "second": 35}
